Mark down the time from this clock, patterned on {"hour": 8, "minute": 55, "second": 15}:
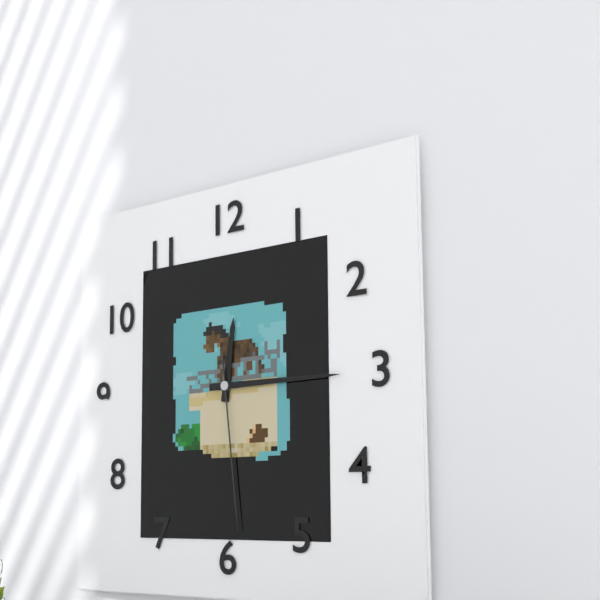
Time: {"hour": 12, "minute": 15, "second": 29}
